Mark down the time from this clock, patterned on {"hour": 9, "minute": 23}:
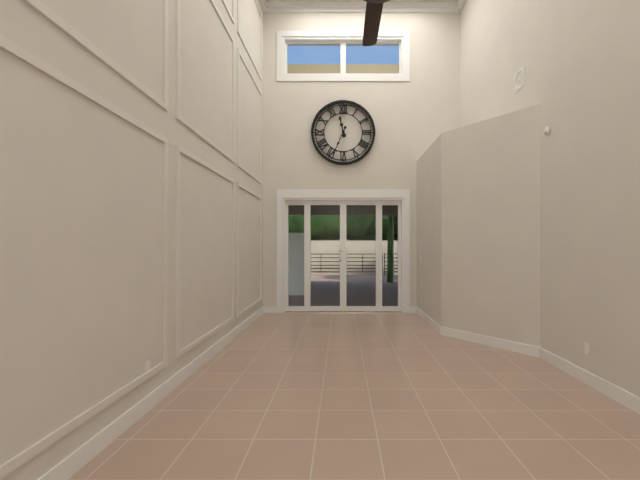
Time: {"hour": 11, "minute": 34}
